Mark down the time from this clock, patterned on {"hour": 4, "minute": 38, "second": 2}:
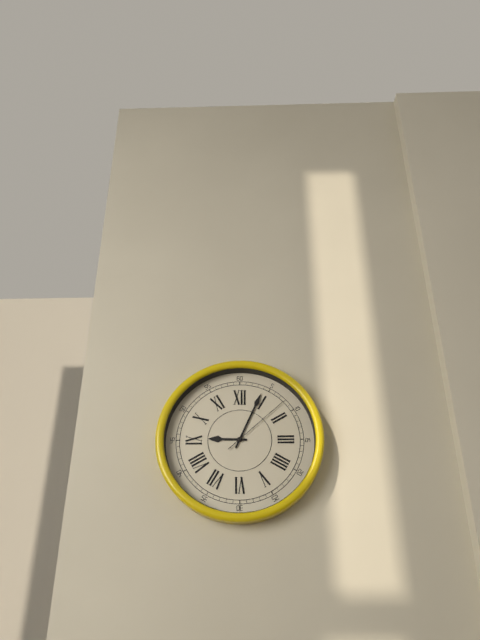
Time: {"hour": 9, "minute": 4, "second": 8}
